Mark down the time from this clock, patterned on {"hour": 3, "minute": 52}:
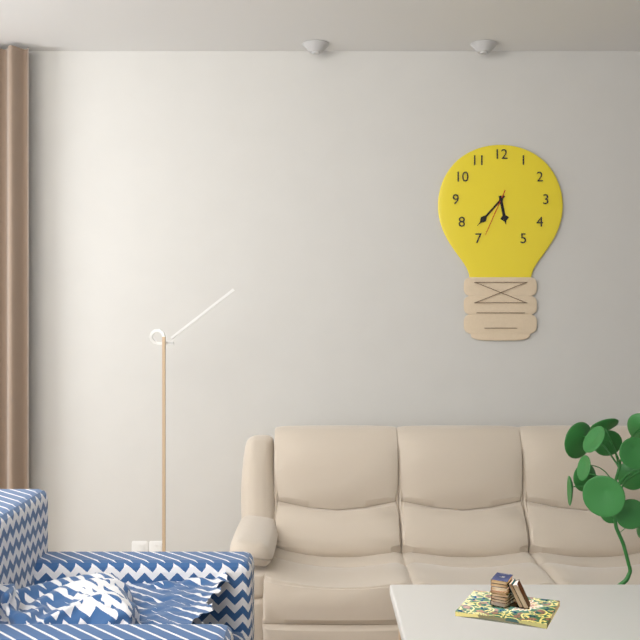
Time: {"hour": 5, "minute": 37}
